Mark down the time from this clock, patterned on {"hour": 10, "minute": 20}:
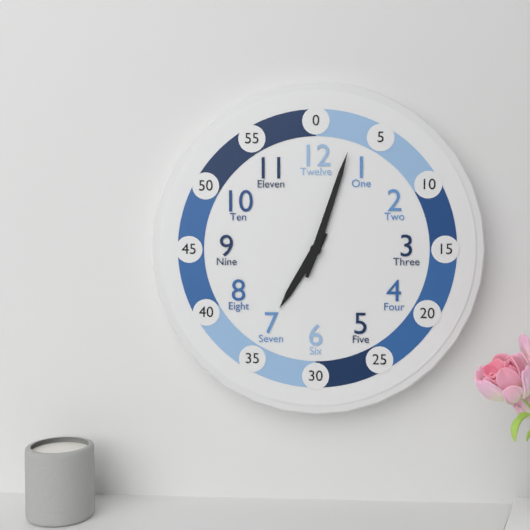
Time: {"hour": 7, "minute": 3}
